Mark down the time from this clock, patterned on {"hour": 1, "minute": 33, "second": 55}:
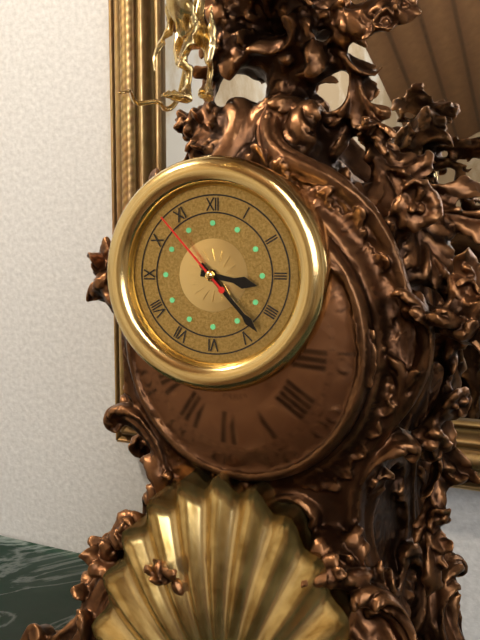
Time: {"hour": 3, "minute": 23, "second": 53}
